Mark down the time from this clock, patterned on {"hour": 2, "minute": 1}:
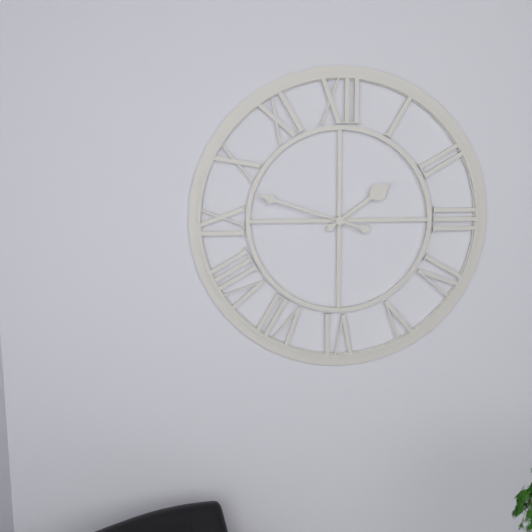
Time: {"hour": 1, "minute": 48}
